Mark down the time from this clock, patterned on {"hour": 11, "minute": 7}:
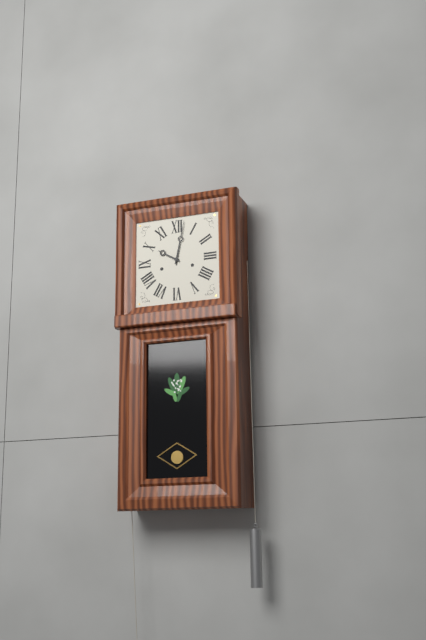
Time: {"hour": 10, "minute": 2}
